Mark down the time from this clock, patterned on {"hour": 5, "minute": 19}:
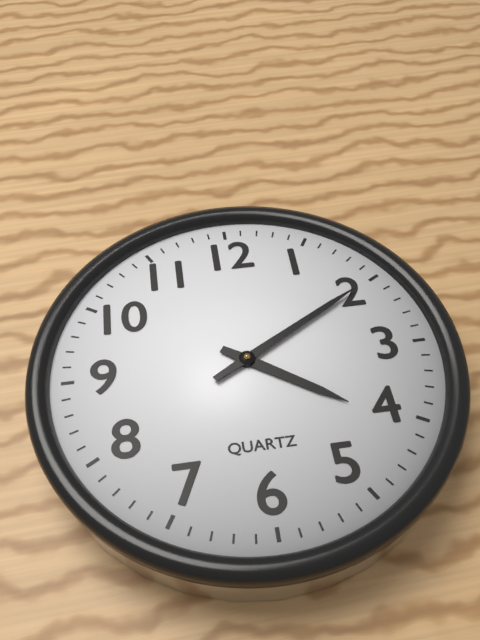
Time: {"hour": 4, "minute": 10}
